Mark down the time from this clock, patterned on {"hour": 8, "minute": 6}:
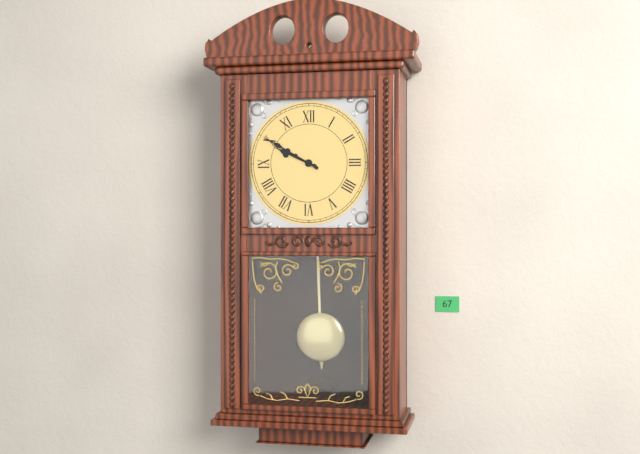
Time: {"hour": 9, "minute": 50}
